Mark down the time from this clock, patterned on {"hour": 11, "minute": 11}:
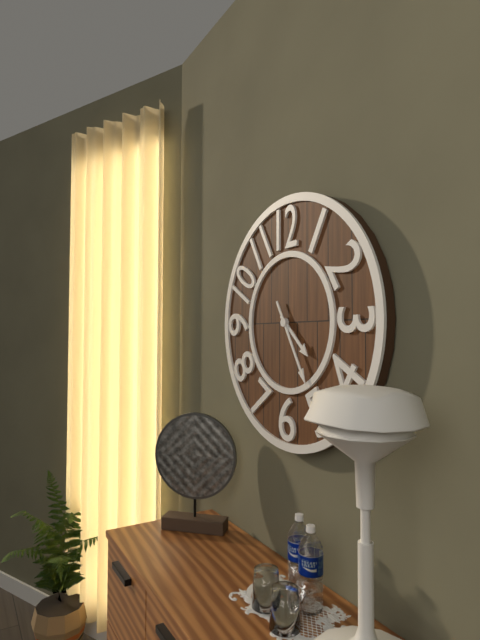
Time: {"hour": 4, "minute": 25}
